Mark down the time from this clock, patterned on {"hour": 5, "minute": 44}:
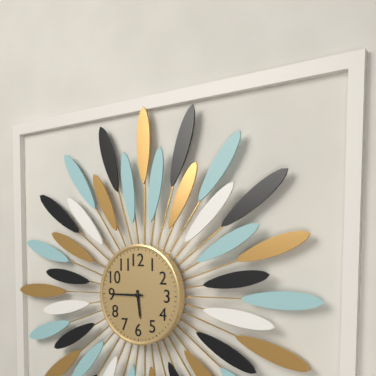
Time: {"hour": 5, "minute": 45}
